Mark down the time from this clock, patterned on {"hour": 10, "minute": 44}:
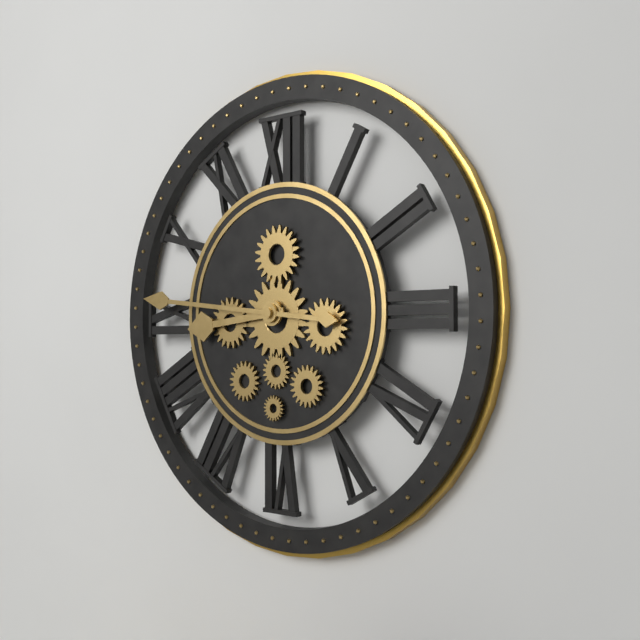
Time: {"hour": 8, "minute": 46}
